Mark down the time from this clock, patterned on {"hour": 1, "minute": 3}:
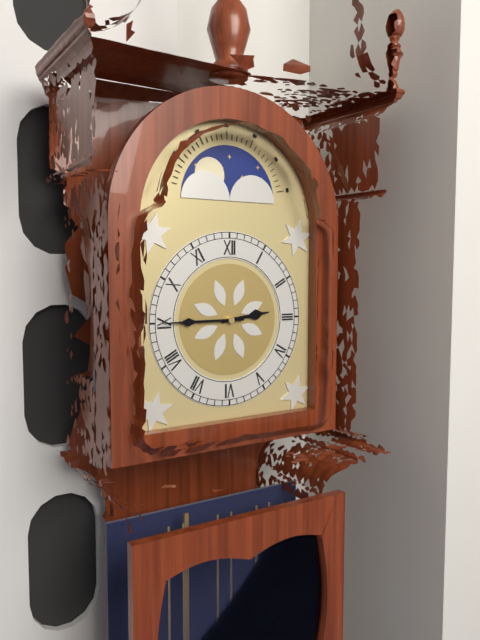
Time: {"hour": 2, "minute": 45}
